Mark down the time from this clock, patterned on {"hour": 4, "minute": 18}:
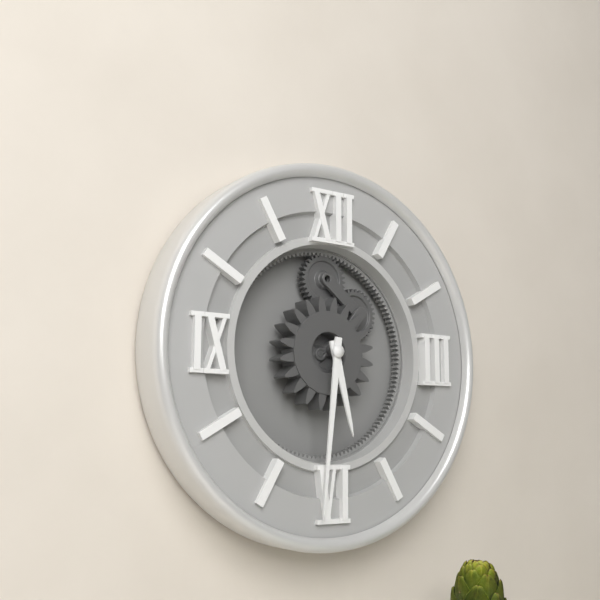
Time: {"hour": 5, "minute": 31}
